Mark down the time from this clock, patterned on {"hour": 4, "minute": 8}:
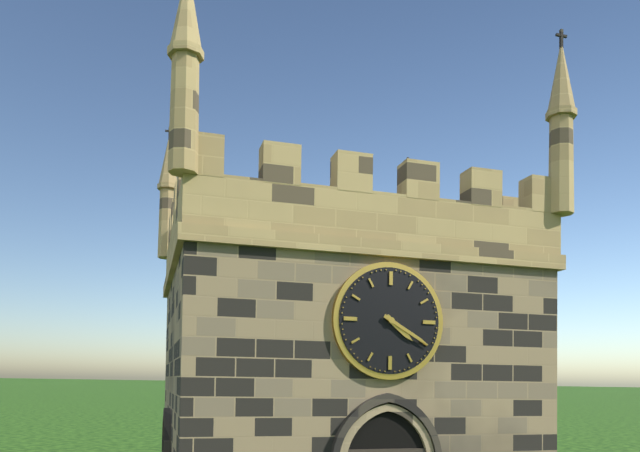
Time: {"hour": 4, "minute": 20}
